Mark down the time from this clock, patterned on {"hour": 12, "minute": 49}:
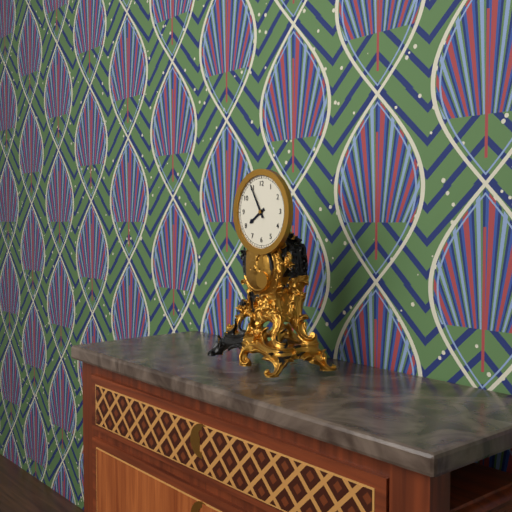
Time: {"hour": 7, "minute": 55}
